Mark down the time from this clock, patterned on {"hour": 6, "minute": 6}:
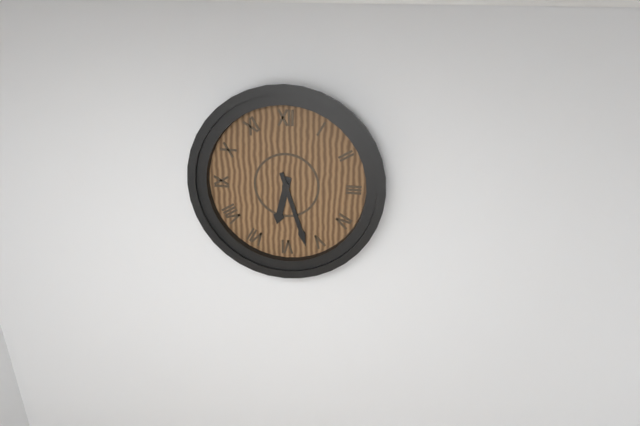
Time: {"hour": 6, "minute": 27}
